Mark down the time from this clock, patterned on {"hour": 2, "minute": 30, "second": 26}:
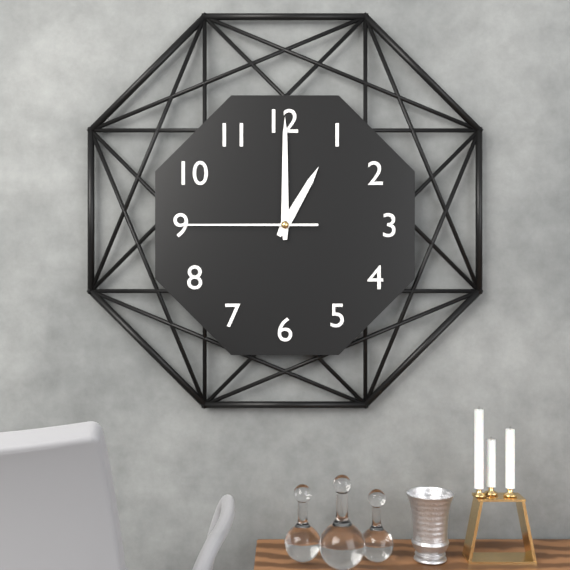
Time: {"hour": 1, "minute": 0, "second": 45}
